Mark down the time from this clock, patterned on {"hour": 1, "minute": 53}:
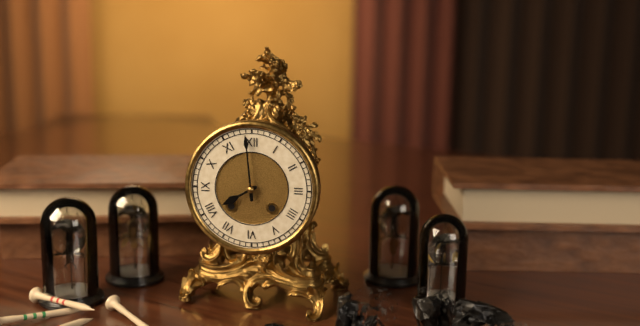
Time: {"hour": 7, "minute": 59}
